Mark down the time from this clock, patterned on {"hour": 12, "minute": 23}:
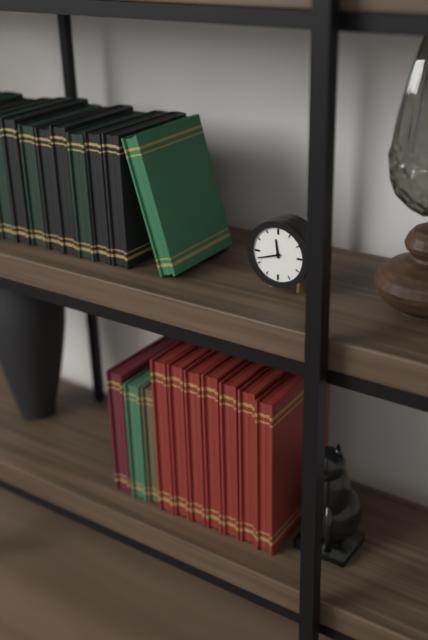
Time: {"hour": 11, "minute": 42}
